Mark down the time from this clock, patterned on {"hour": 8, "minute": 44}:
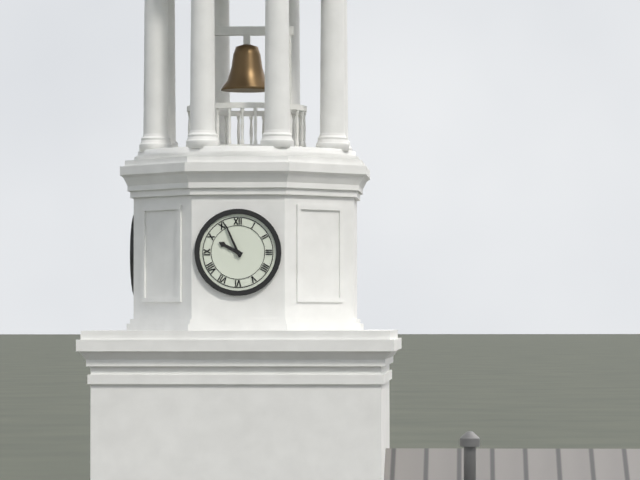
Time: {"hour": 9, "minute": 56}
